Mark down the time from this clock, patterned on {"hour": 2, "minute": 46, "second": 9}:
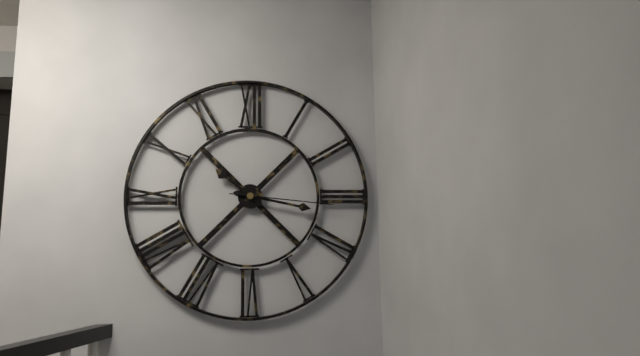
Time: {"hour": 10, "minute": 17, "second": 16}
